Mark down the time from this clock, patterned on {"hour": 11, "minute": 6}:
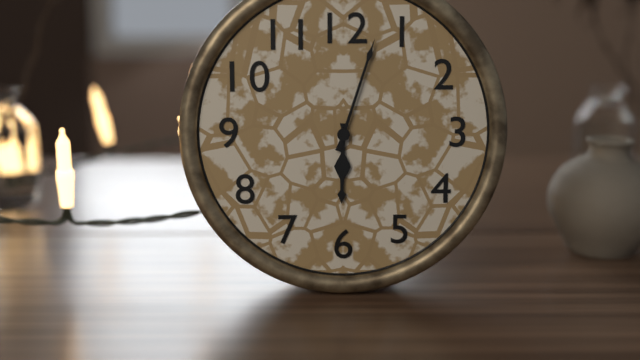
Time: {"hour": 6, "minute": 3}
